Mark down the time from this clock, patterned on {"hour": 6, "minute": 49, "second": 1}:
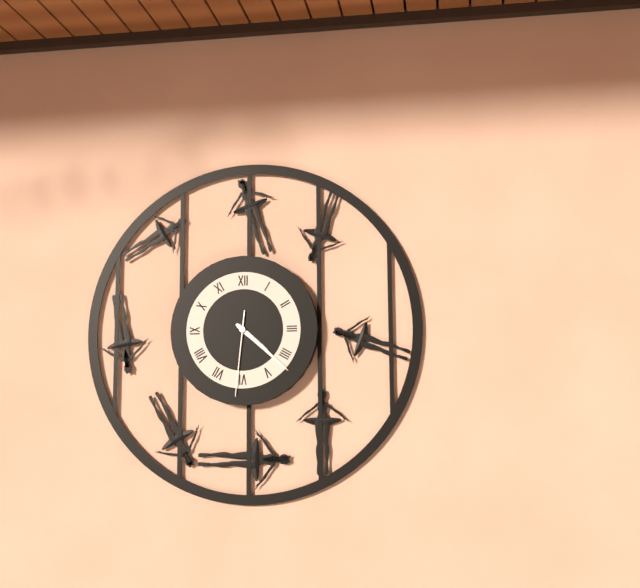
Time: {"hour": 4, "minute": 22, "second": 31}
